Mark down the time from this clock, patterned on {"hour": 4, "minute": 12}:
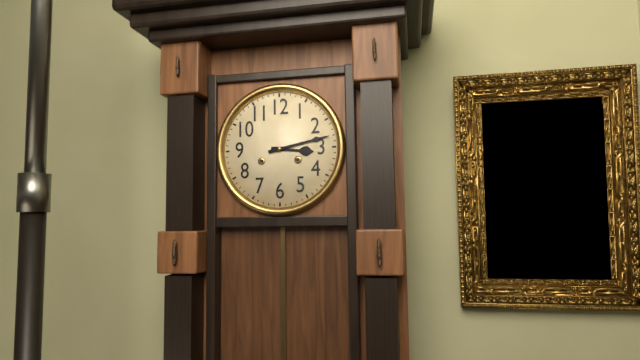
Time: {"hour": 3, "minute": 13}
